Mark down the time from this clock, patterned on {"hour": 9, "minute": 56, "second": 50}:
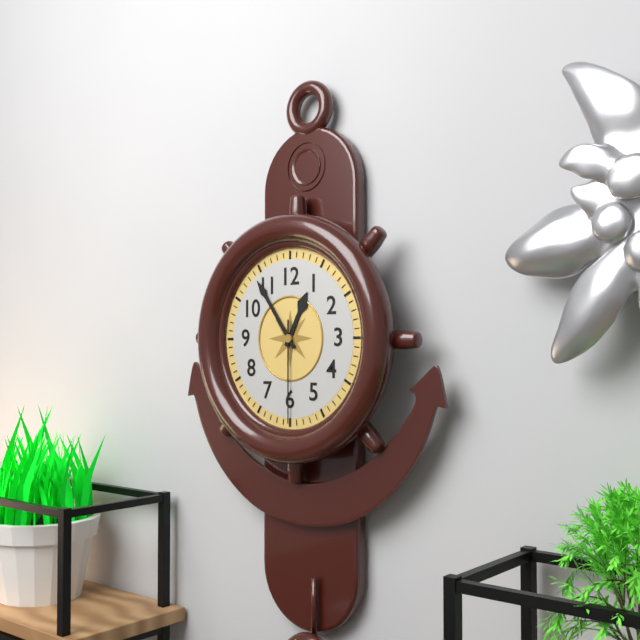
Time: {"hour": 12, "minute": 54, "second": 30}
